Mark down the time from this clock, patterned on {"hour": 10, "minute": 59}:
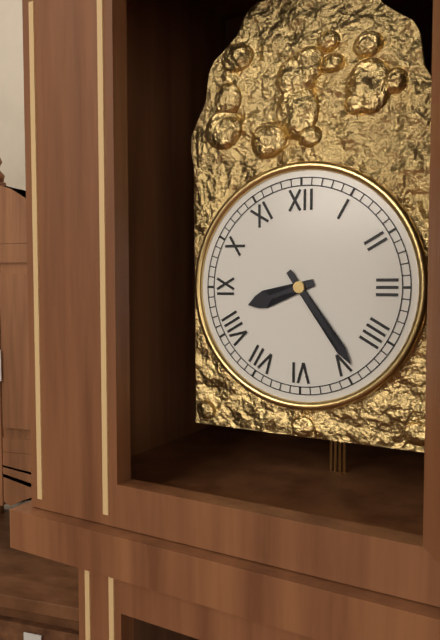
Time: {"hour": 8, "minute": 24}
